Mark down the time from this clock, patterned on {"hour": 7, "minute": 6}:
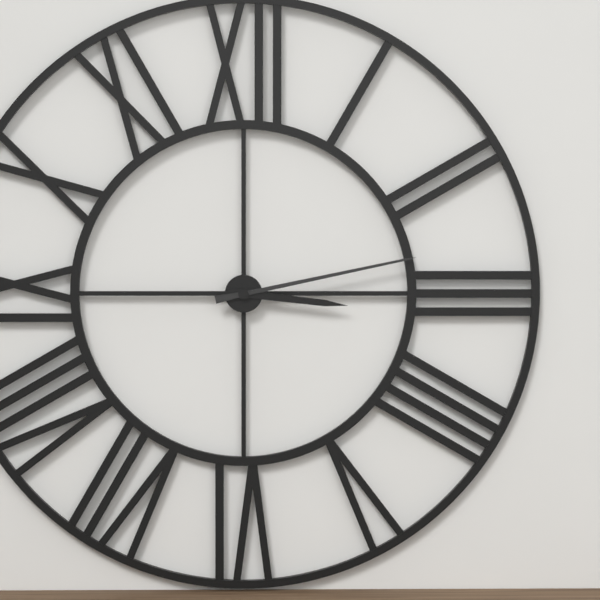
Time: {"hour": 3, "minute": 13}
